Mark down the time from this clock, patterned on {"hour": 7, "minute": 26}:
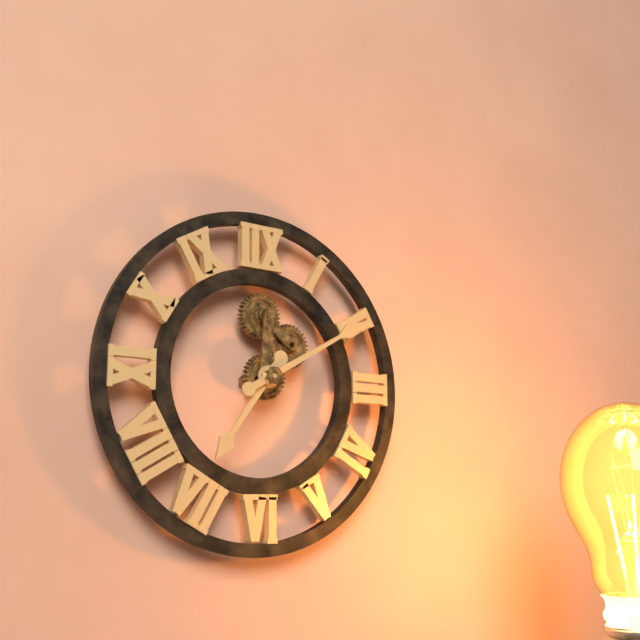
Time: {"hour": 7, "minute": 10}
